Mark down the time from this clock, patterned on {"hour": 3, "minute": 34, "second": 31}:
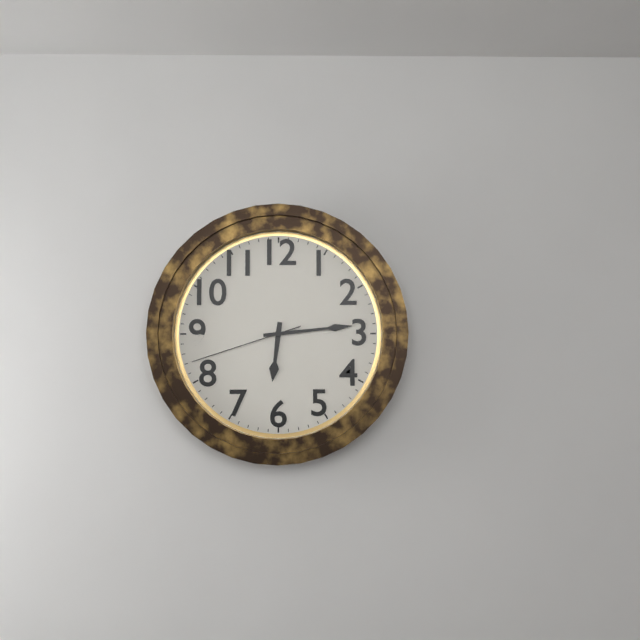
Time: {"hour": 6, "minute": 14, "second": 42}
